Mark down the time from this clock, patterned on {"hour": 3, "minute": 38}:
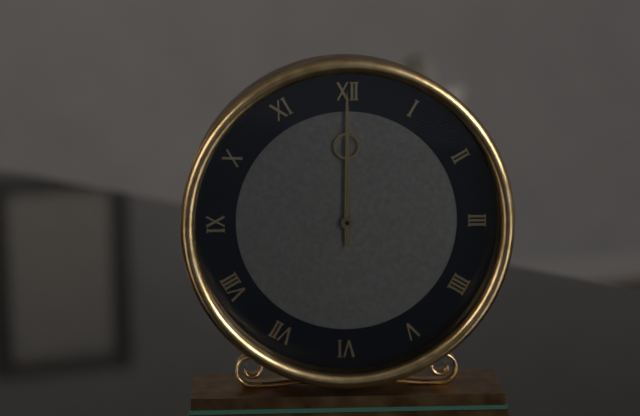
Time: {"hour": 12, "minute": 0}
